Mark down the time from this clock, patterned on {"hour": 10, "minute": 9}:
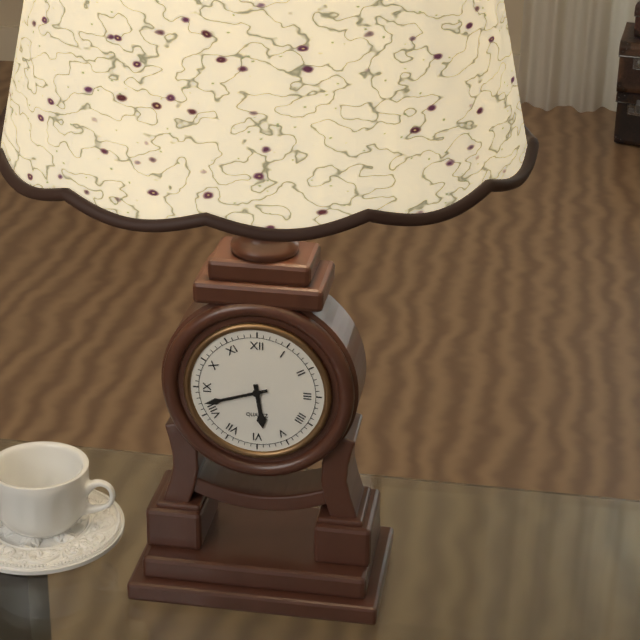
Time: {"hour": 5, "minute": 42}
